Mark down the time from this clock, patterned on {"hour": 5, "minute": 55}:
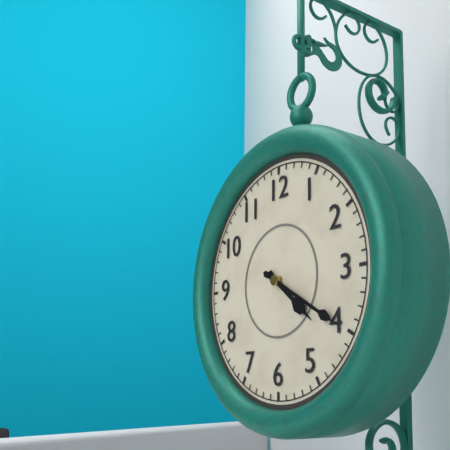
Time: {"hour": 4, "minute": 20}
